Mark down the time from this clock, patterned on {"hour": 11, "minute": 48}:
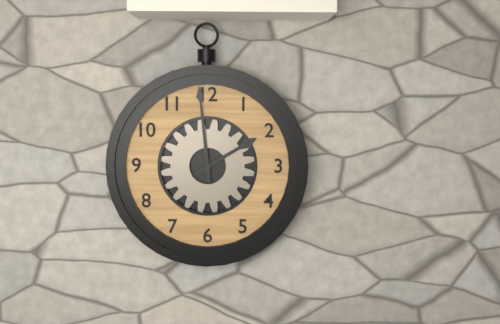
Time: {"hour": 1, "minute": 59}
